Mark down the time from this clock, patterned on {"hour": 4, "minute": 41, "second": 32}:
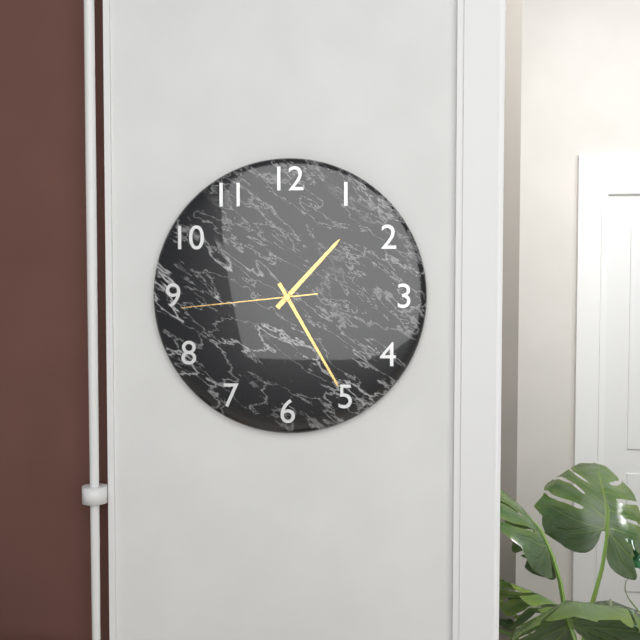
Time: {"hour": 1, "minute": 25, "second": 44}
